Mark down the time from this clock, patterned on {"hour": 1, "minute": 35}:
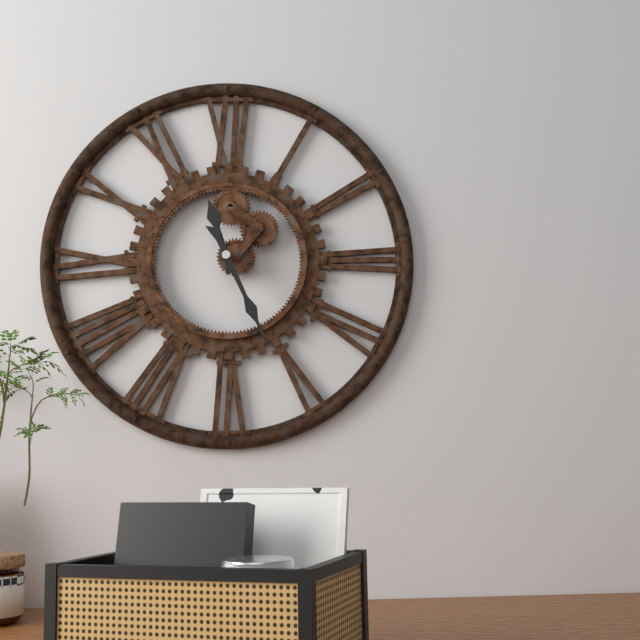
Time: {"hour": 11, "minute": 26}
